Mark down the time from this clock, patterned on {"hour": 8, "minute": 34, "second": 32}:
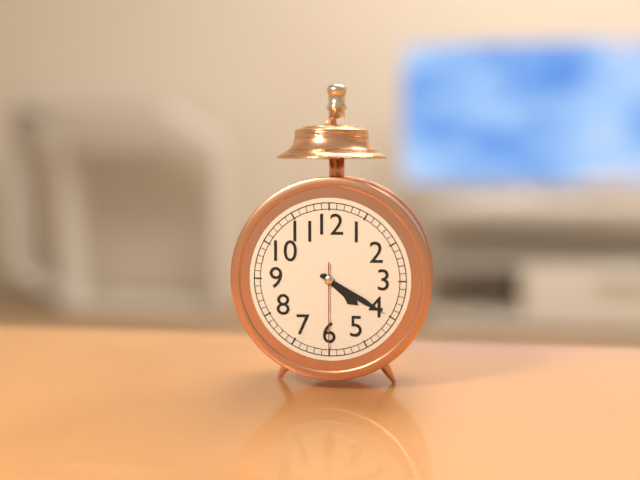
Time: {"hour": 4, "minute": 20, "second": 30}
